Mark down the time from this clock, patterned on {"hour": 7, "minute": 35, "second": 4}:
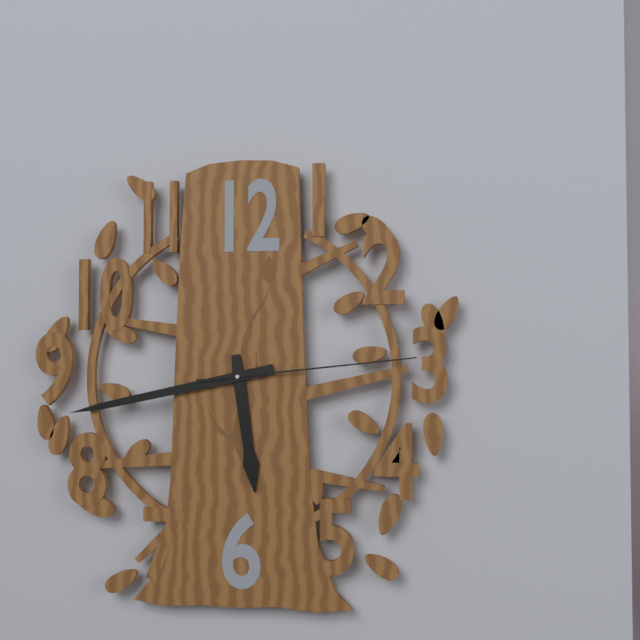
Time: {"hour": 5, "minute": 43, "second": 14}
